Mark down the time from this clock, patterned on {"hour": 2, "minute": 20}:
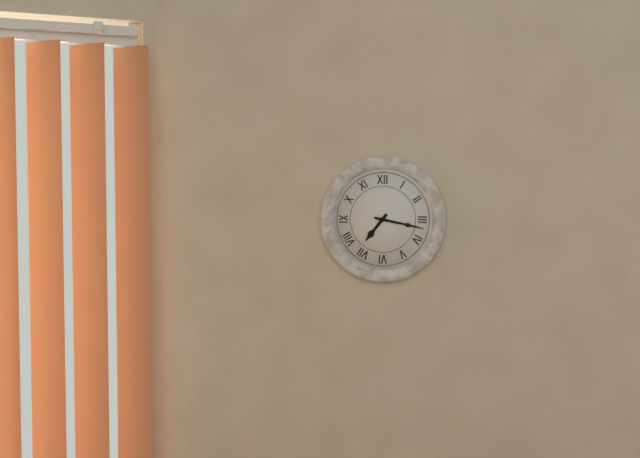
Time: {"hour": 7, "minute": 17}
